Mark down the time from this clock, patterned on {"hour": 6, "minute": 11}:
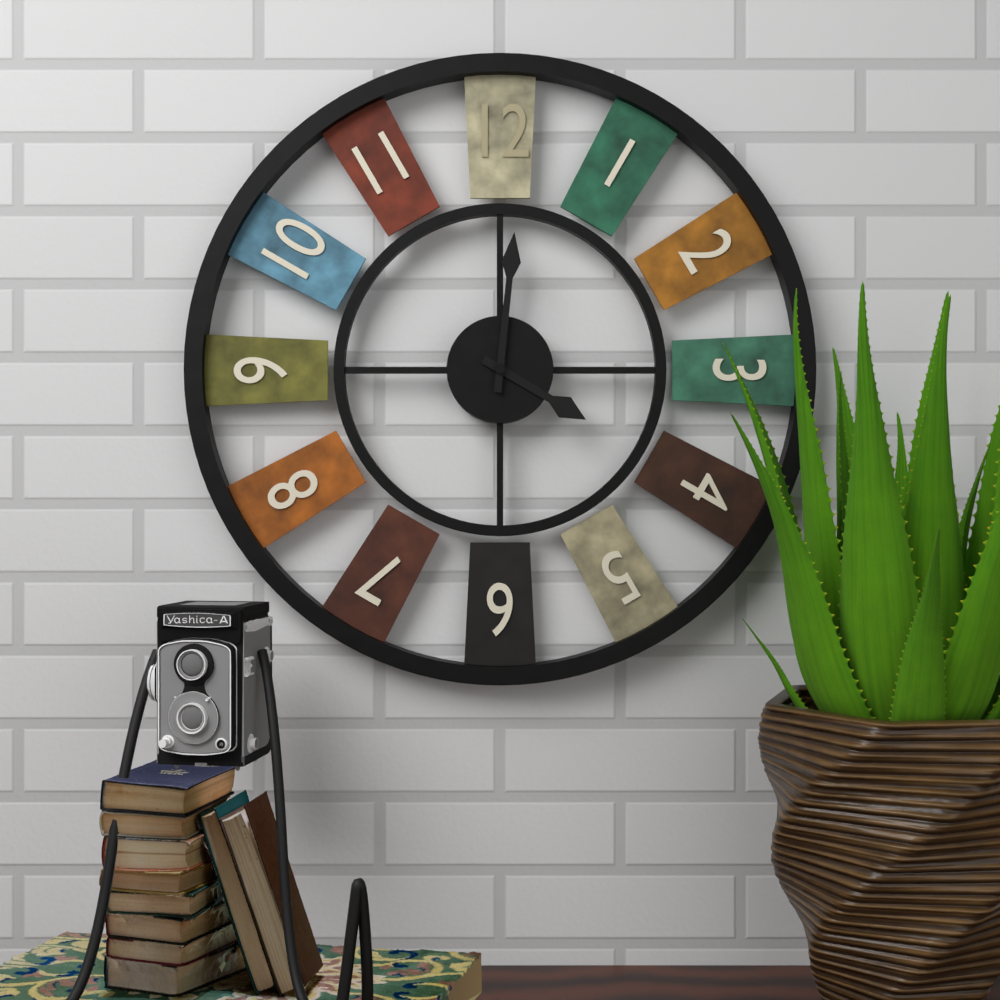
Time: {"hour": 4, "minute": 1}
